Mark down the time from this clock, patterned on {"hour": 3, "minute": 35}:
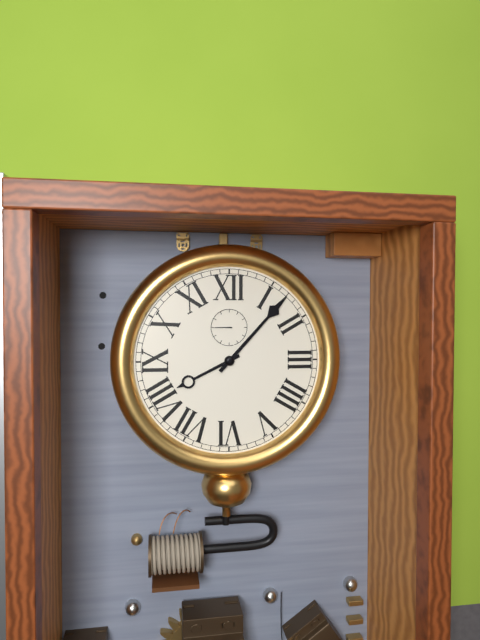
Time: {"hour": 8, "minute": 7}
